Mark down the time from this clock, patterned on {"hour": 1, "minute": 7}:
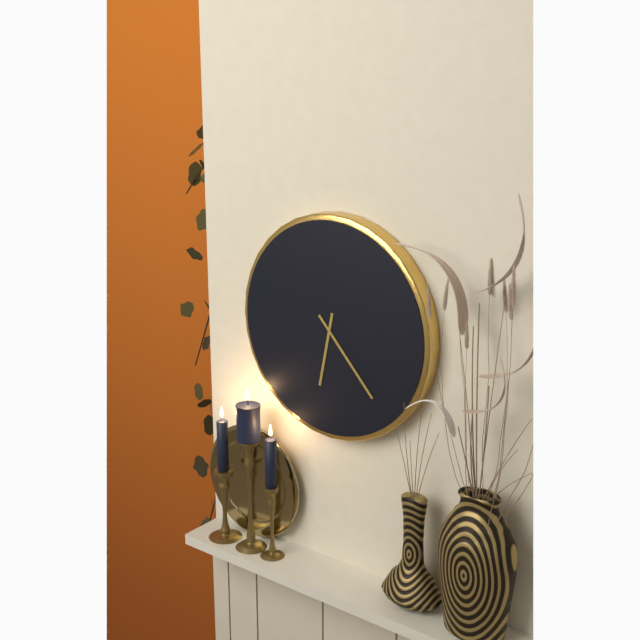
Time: {"hour": 6, "minute": 23}
